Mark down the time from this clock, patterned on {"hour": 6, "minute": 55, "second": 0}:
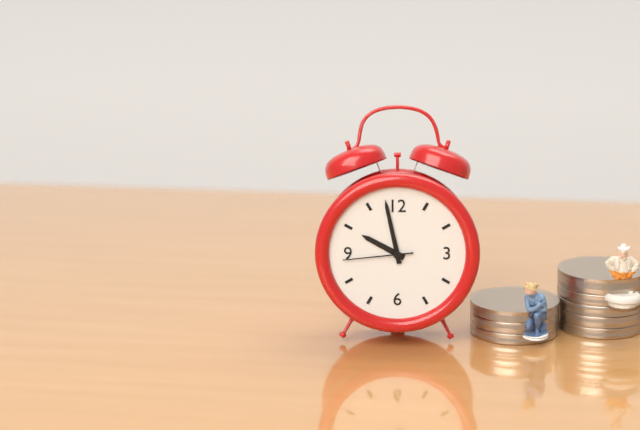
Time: {"hour": 9, "minute": 58, "second": 44}
